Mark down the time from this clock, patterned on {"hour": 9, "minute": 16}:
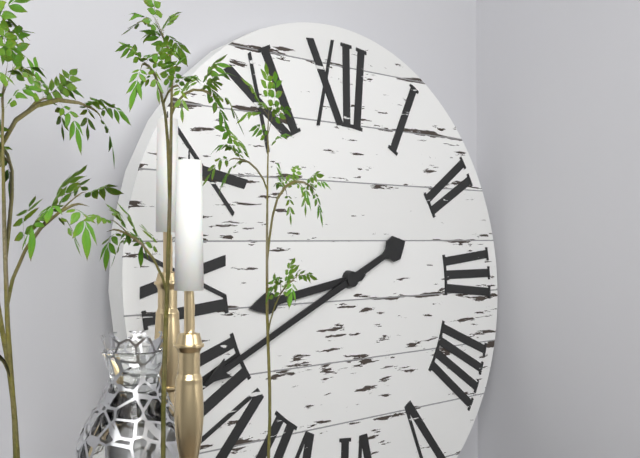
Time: {"hour": 8, "minute": 41}
